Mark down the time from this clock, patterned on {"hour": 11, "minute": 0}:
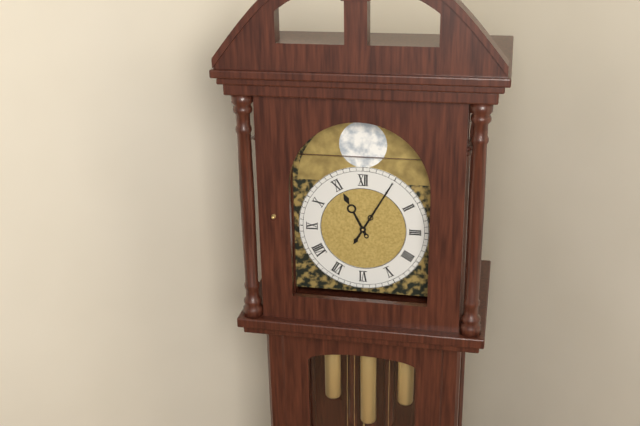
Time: {"hour": 11, "minute": 5}
